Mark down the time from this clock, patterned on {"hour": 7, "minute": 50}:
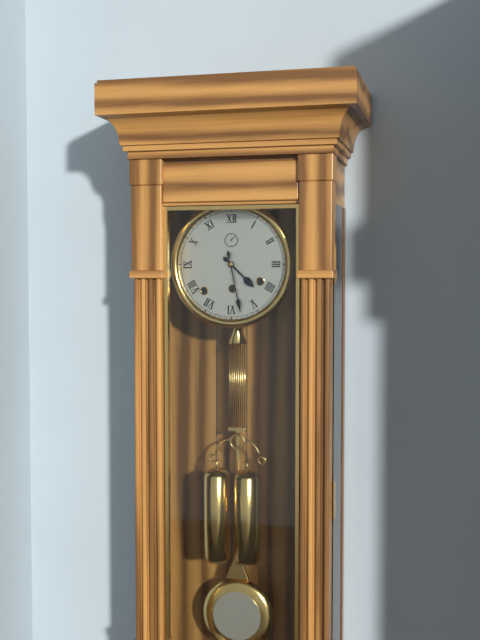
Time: {"hour": 4, "minute": 28}
